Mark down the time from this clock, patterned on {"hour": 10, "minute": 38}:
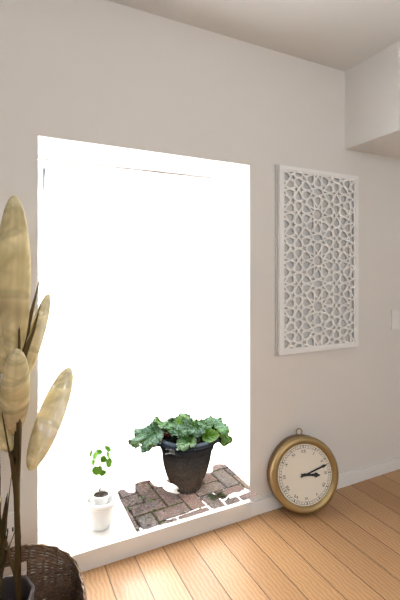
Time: {"hour": 3, "minute": 12}
